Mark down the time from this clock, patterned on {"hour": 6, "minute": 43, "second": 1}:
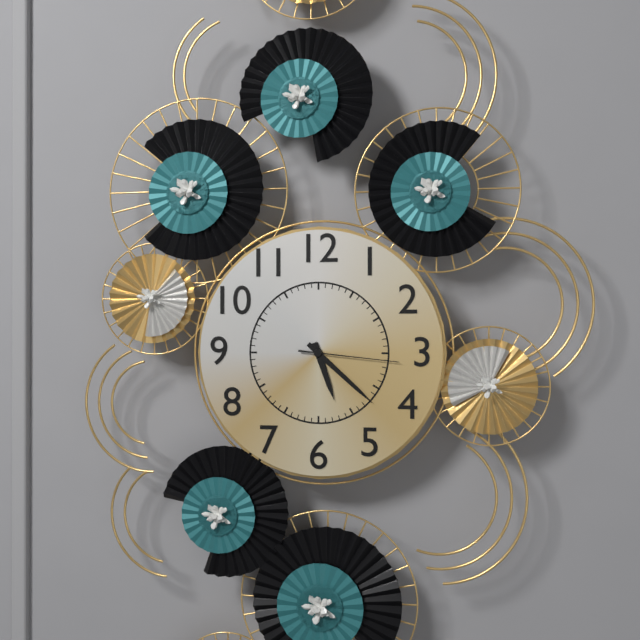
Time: {"hour": 5, "minute": 22, "second": 16}
